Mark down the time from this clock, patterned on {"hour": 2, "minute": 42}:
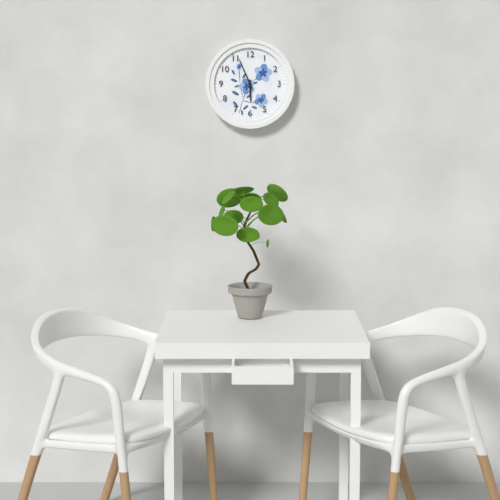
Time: {"hour": 5, "minute": 56}
